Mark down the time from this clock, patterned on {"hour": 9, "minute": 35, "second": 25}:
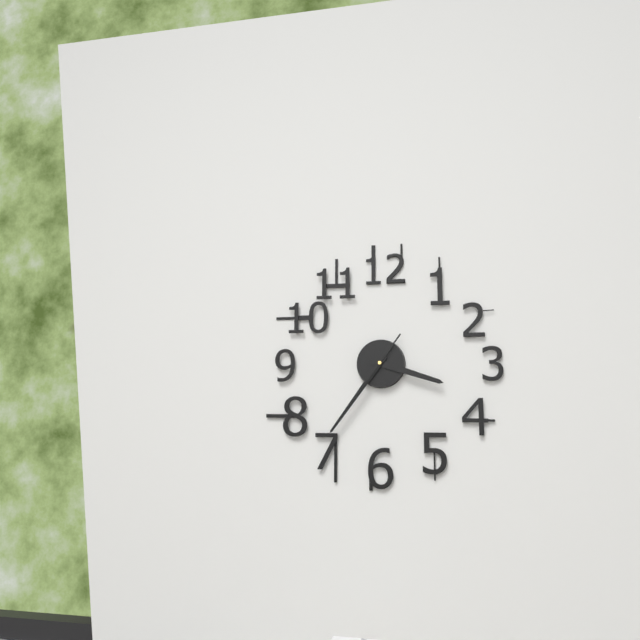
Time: {"hour": 3, "minute": 36, "second": 36}
